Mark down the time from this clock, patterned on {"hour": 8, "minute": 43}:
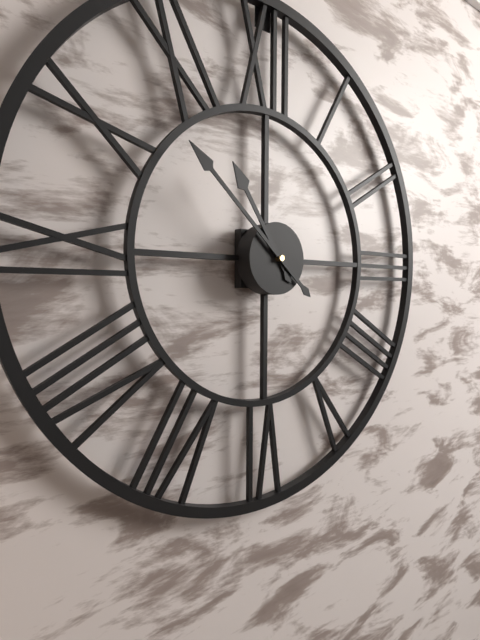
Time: {"hour": 10, "minute": 52}
